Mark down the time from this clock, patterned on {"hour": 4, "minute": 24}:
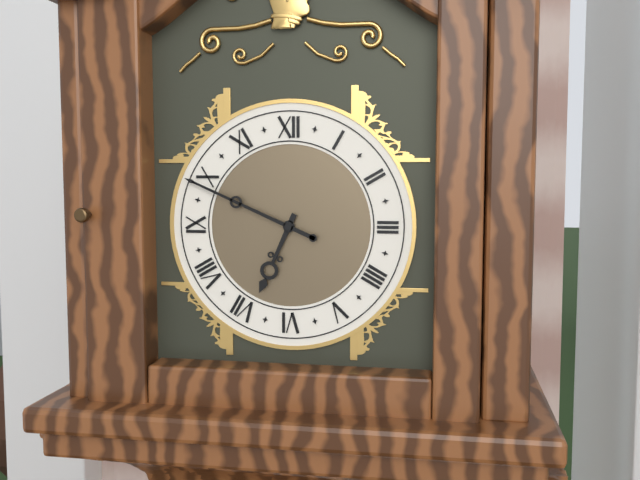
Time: {"hour": 6, "minute": 49}
